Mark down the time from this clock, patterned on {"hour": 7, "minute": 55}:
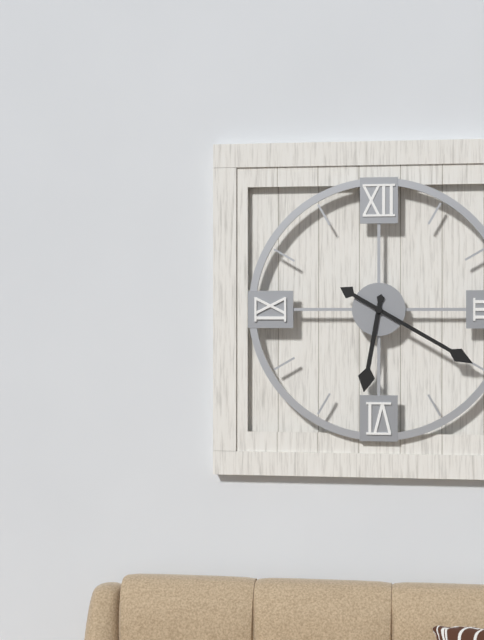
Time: {"hour": 6, "minute": 20}
